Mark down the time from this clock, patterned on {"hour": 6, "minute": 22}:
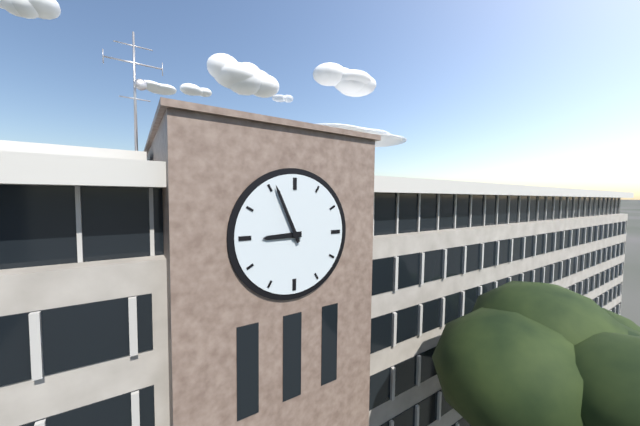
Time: {"hour": 8, "minute": 56}
